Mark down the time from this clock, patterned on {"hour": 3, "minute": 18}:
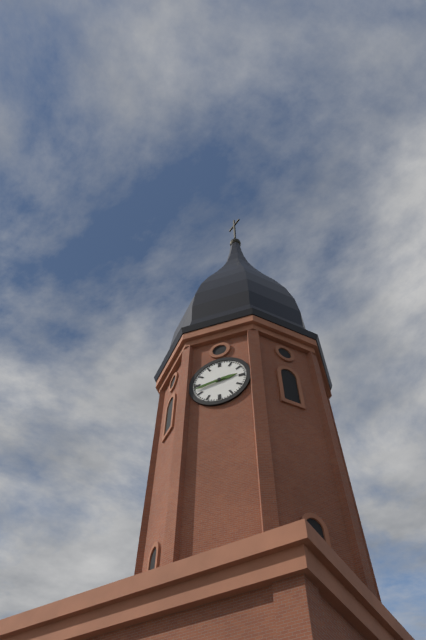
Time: {"hour": 2, "minute": 43}
